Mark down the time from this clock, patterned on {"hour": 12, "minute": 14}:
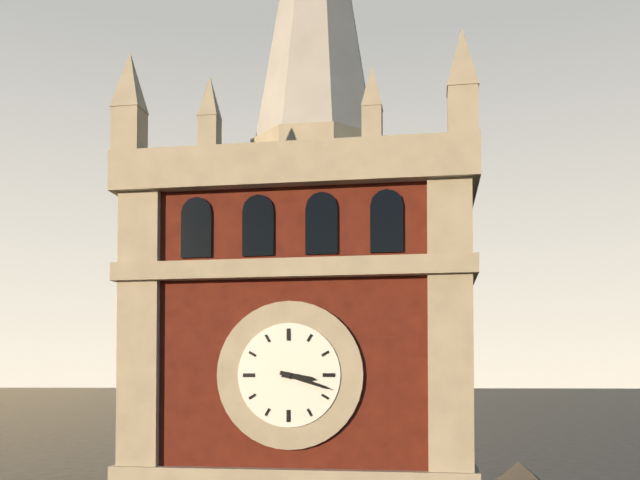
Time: {"hour": 3, "minute": 18}
